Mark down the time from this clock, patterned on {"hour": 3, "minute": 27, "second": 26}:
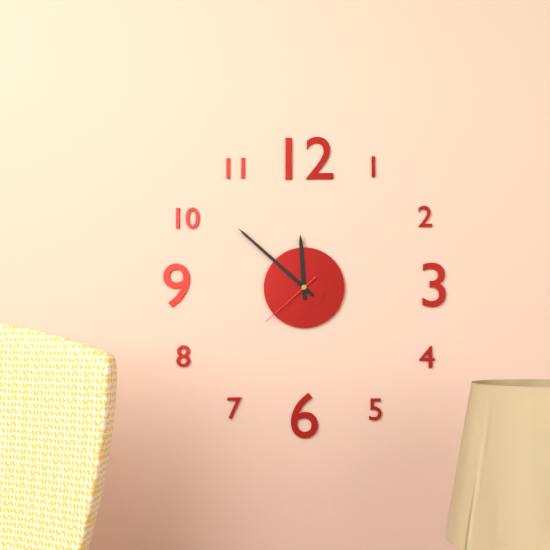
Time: {"hour": 11, "minute": 52, "second": 38}
